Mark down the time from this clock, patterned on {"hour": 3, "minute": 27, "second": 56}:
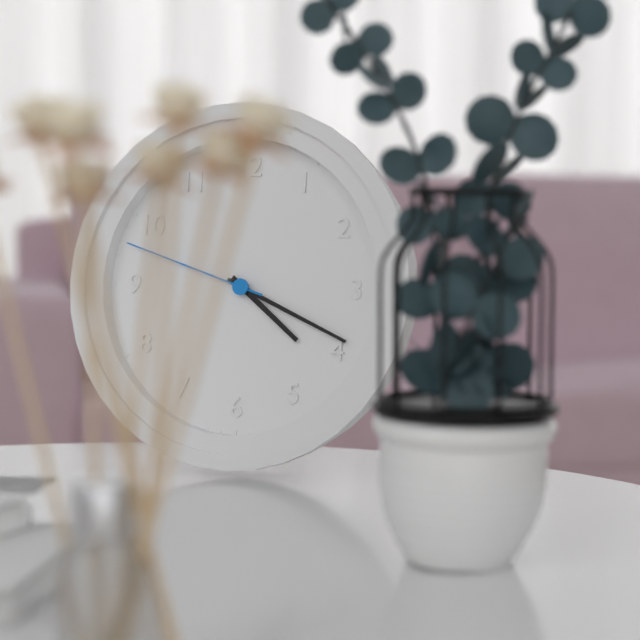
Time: {"hour": 4, "minute": 19, "second": 48}
